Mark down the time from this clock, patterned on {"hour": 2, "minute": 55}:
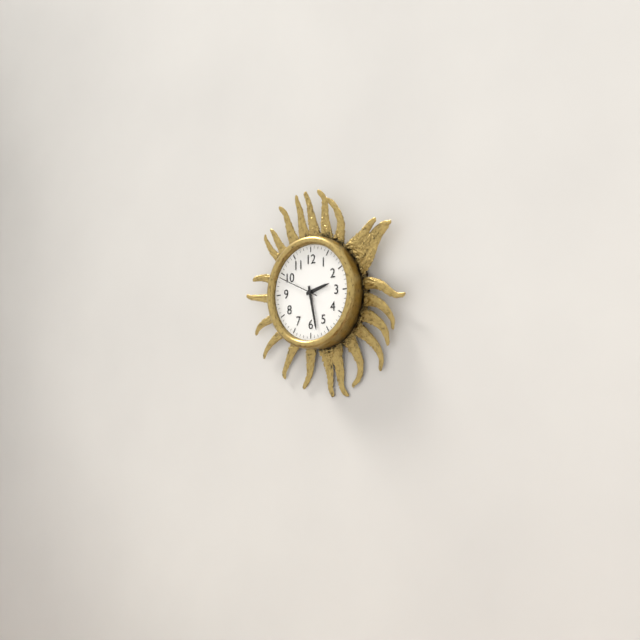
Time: {"hour": 2, "minute": 28}
